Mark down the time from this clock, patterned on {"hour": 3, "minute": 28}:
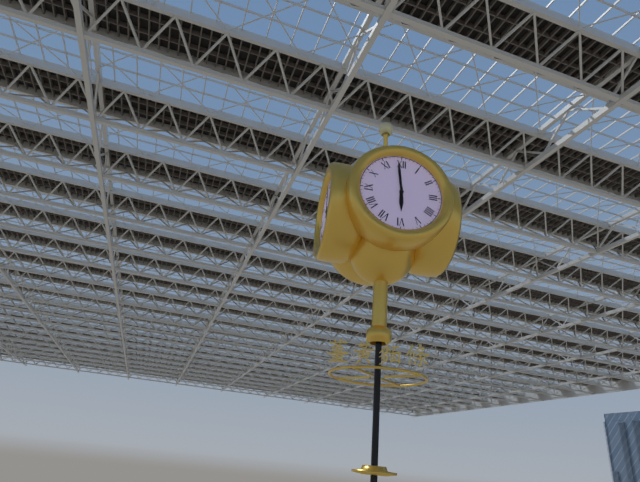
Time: {"hour": 5, "minute": 59}
